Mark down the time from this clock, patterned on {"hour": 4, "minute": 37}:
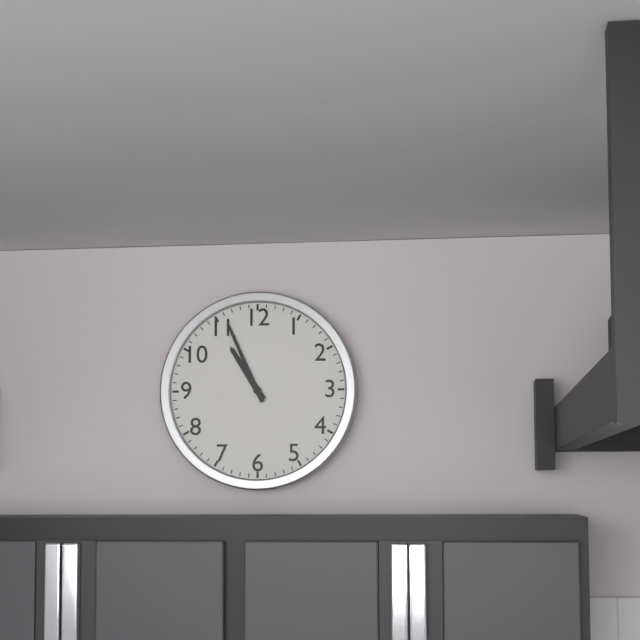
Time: {"hour": 10, "minute": 56}
